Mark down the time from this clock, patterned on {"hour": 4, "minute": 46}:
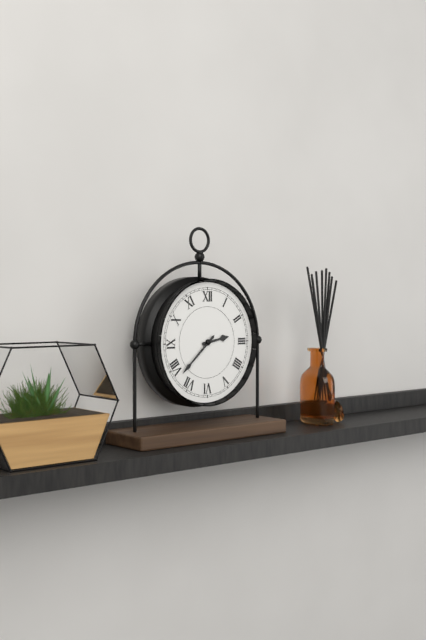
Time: {"hour": 2, "minute": 38}
